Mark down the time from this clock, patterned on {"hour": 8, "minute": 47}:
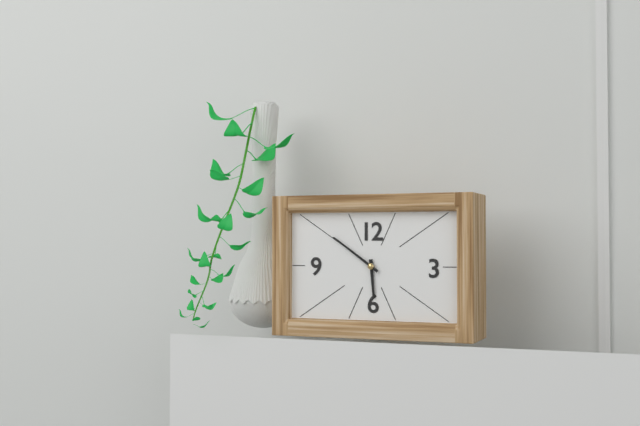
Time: {"hour": 5, "minute": 51}
